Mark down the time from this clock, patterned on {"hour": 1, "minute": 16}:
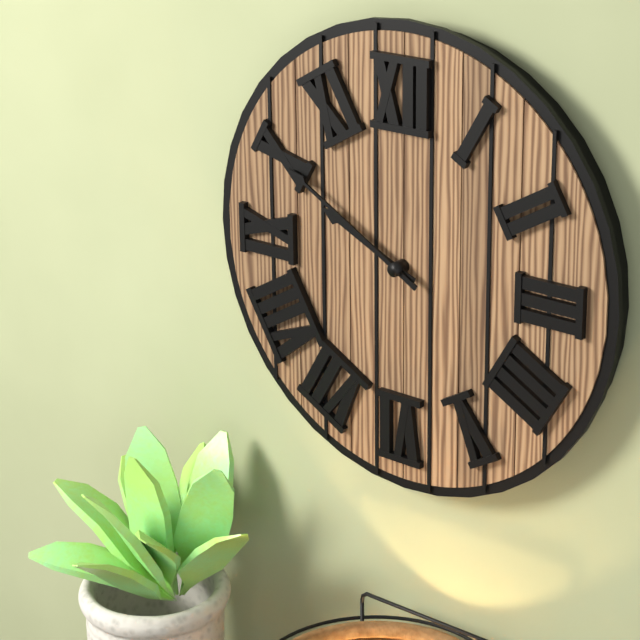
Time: {"hour": 9, "minute": 50}
